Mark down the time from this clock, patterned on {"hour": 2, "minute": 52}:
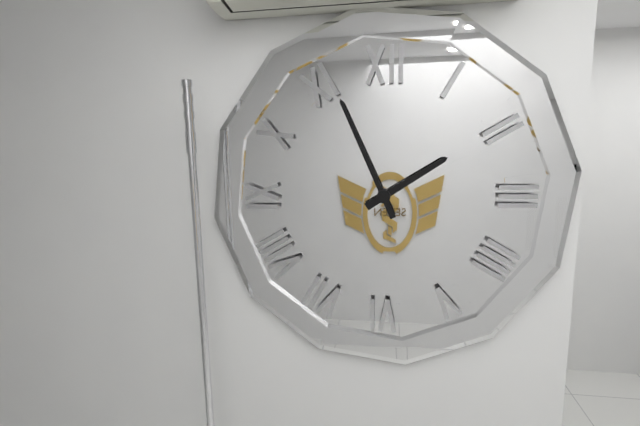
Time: {"hour": 1, "minute": 56}
